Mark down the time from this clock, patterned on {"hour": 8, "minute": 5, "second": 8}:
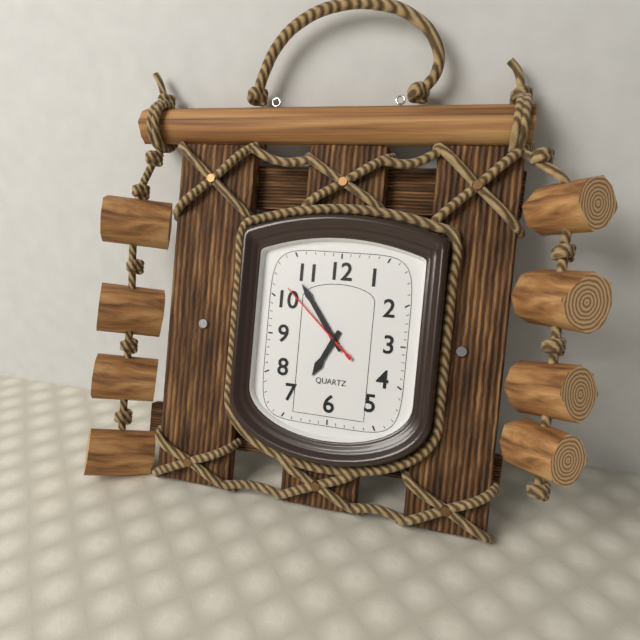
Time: {"hour": 6, "minute": 54, "second": 52}
